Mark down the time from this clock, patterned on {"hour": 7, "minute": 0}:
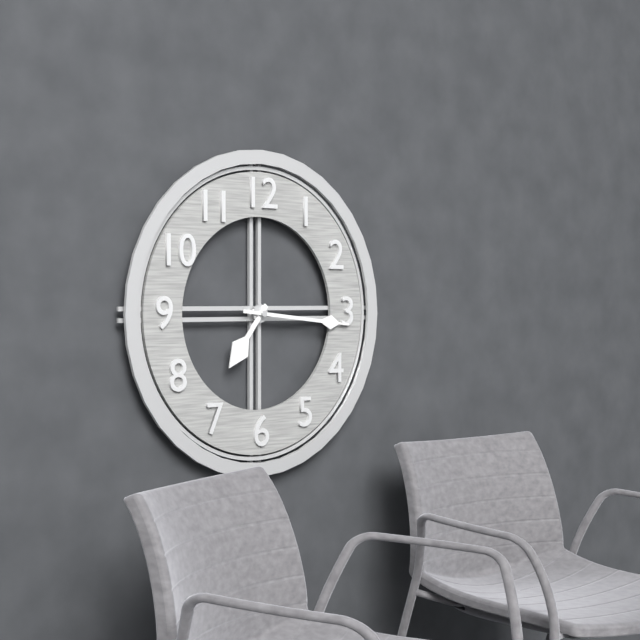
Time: {"hour": 7, "minute": 16}
